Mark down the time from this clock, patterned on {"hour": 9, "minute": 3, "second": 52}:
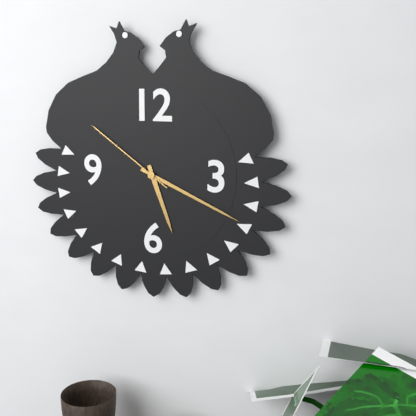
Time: {"hour": 5, "minute": 19, "second": 51}
